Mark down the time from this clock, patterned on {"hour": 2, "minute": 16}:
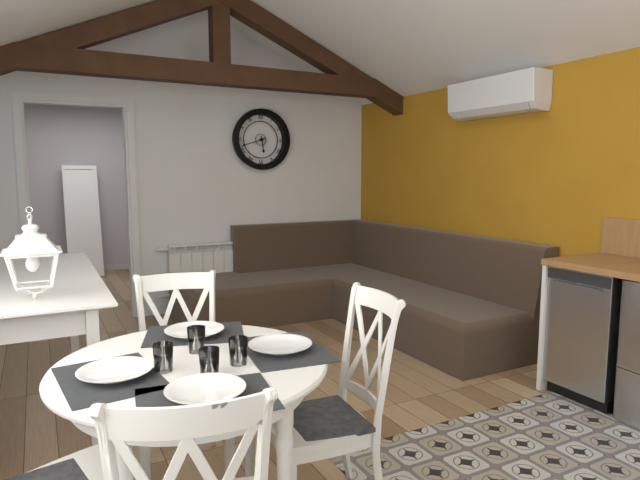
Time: {"hour": 5, "minute": 42}
